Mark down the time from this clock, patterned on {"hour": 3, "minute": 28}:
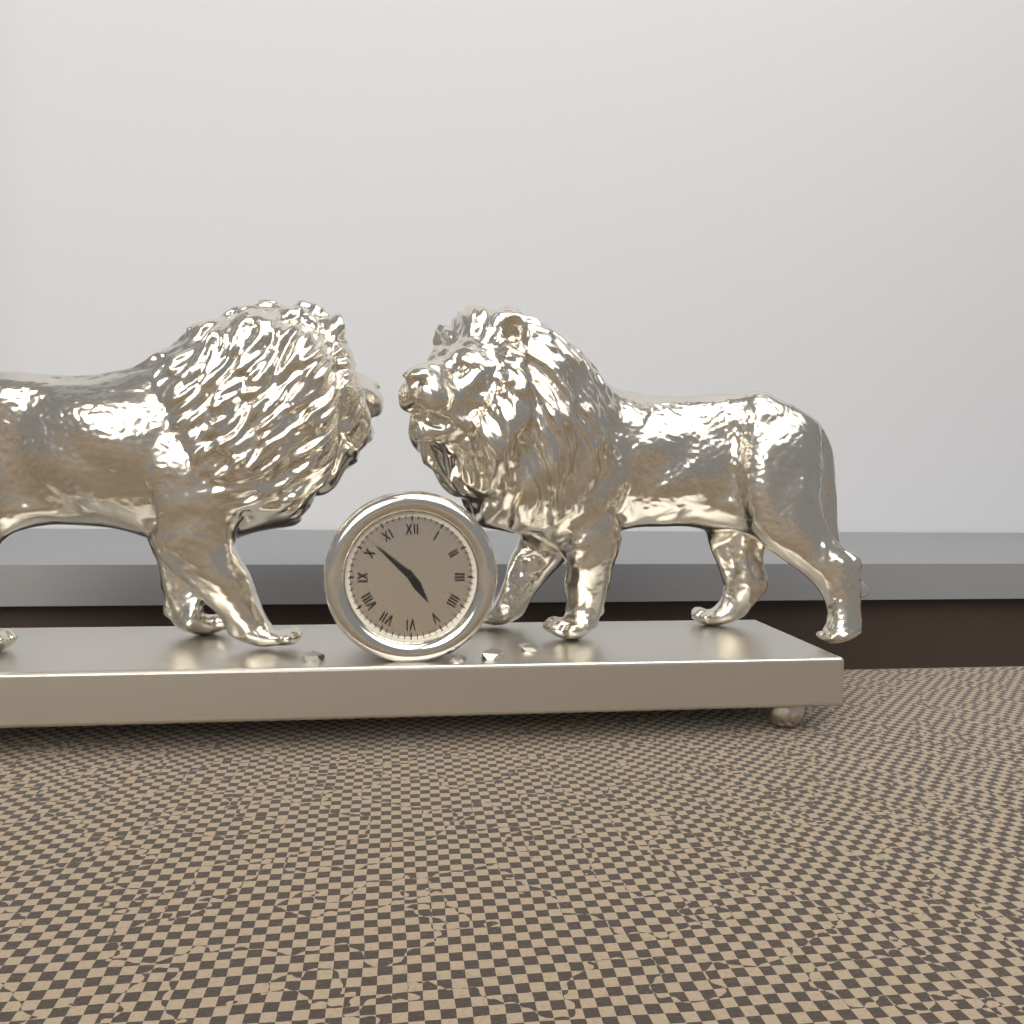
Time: {"hour": 4, "minute": 52}
